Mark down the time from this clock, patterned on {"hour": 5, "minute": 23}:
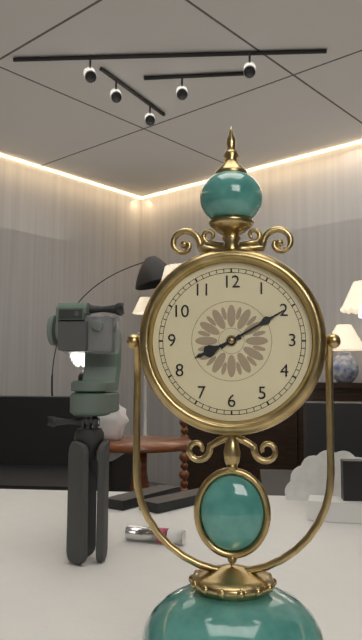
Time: {"hour": 8, "minute": 10}
